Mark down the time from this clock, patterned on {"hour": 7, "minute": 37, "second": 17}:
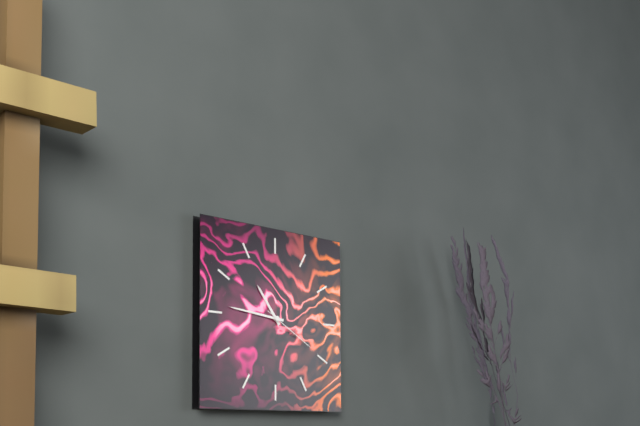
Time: {"hour": 10, "minute": 46, "second": 20}
